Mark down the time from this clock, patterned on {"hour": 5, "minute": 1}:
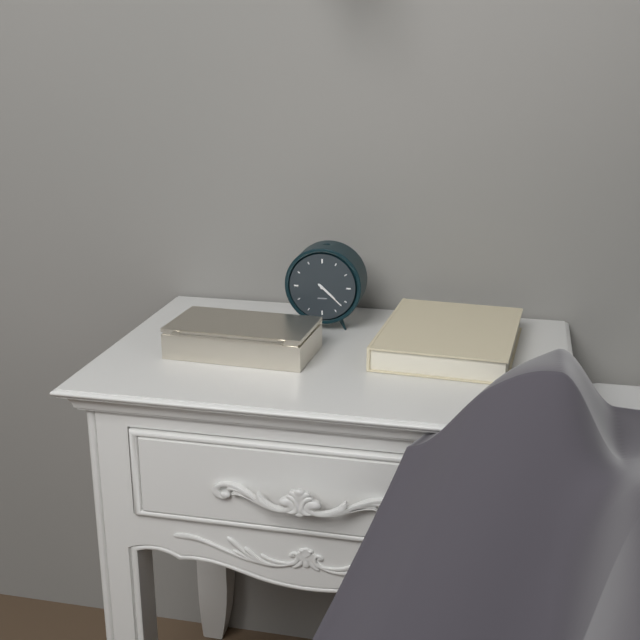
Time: {"hour": 4, "minute": 22}
